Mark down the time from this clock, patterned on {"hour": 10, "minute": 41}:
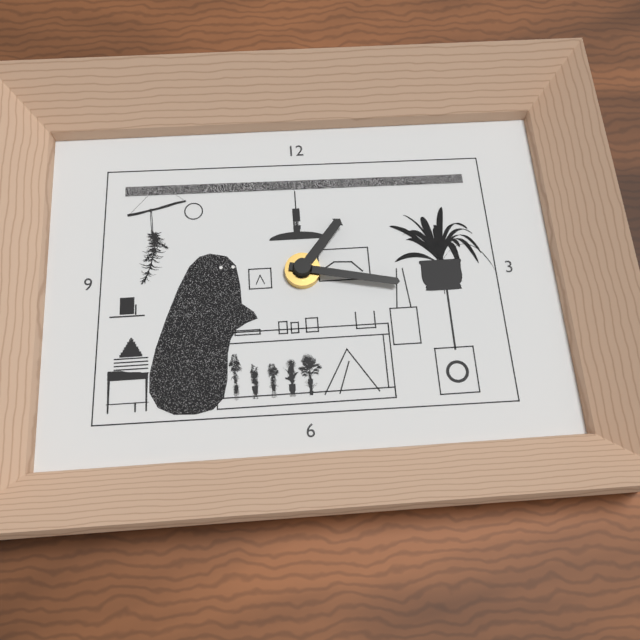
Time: {"hour": 1, "minute": 17}
